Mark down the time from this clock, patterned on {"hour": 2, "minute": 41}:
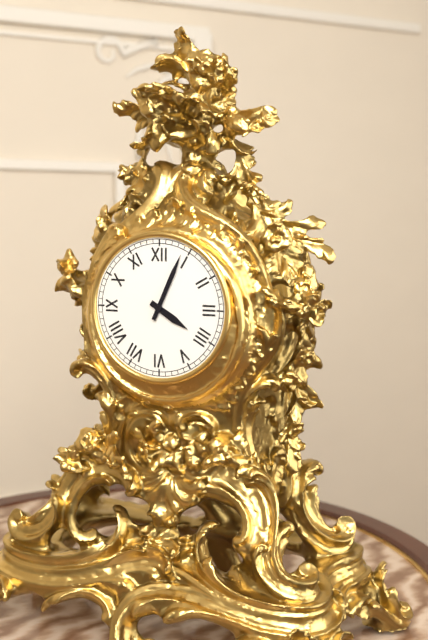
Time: {"hour": 4, "minute": 4}
